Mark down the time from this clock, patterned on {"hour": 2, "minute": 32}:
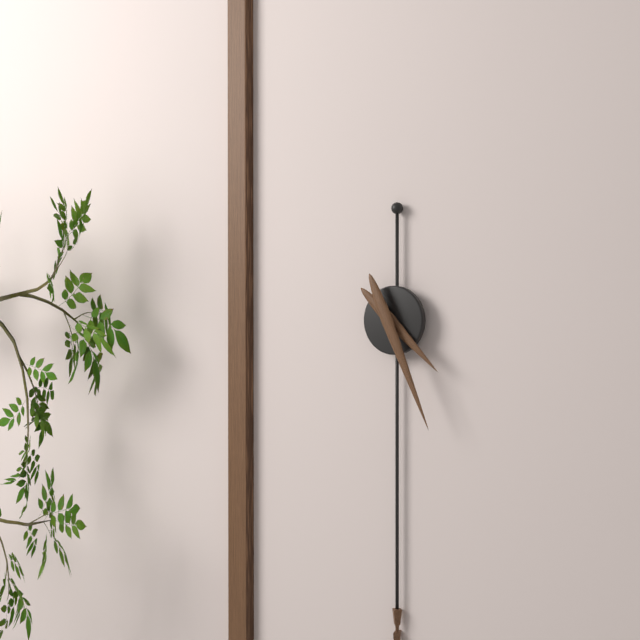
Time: {"hour": 4, "minute": 26}
